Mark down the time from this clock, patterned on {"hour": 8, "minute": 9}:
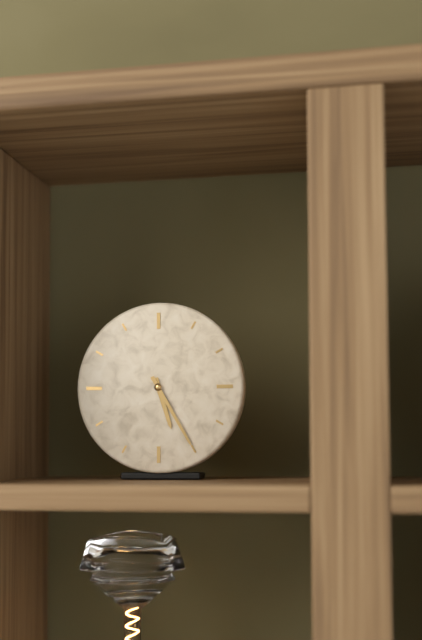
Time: {"hour": 5, "minute": 25}
